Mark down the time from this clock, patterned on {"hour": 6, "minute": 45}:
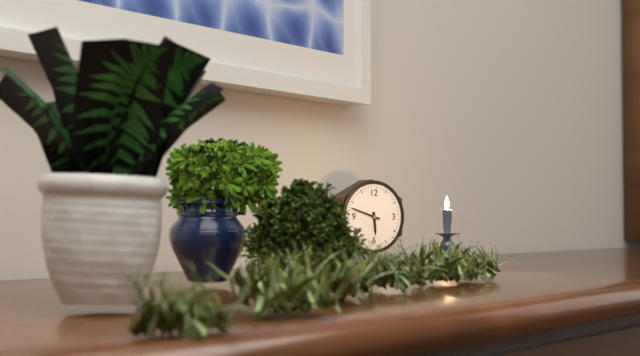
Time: {"hour": 5, "minute": 48}
